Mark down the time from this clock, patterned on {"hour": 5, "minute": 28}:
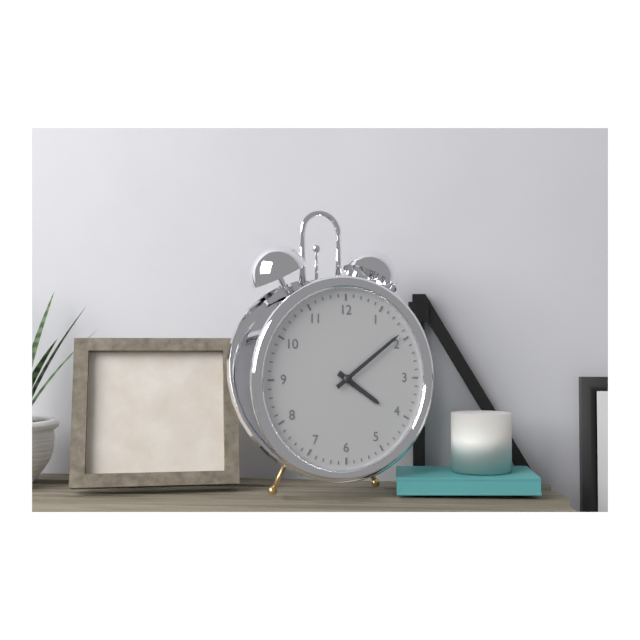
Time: {"hour": 4, "minute": 9}
